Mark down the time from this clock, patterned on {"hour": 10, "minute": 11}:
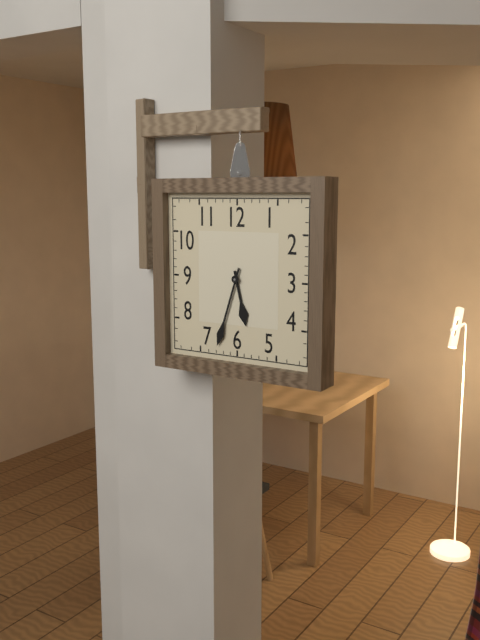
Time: {"hour": 5, "minute": 33}
